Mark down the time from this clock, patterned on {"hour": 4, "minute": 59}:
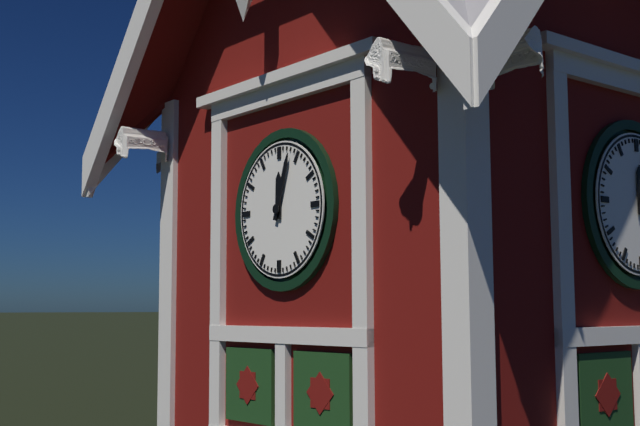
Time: {"hour": 12, "minute": 3}
